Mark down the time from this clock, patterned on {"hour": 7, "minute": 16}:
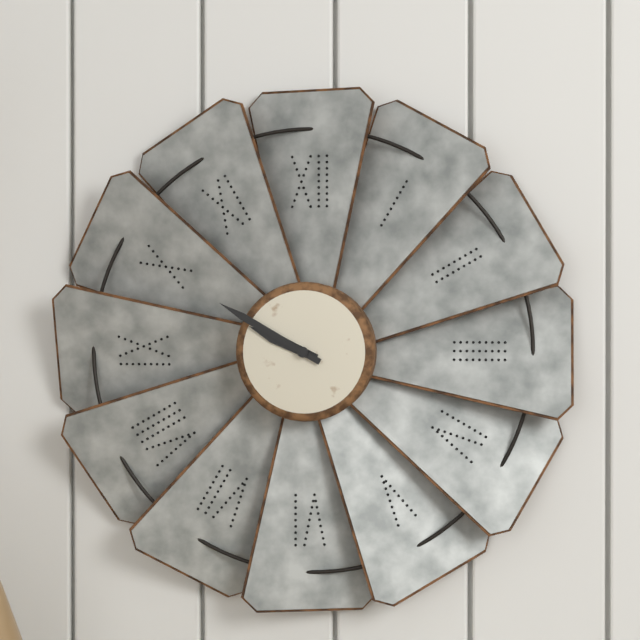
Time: {"hour": 9, "minute": 50}
